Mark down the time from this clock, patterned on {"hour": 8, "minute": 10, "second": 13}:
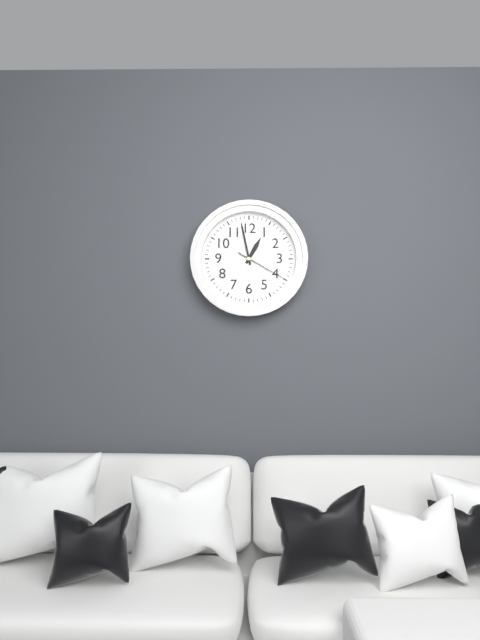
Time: {"hour": 12, "minute": 58, "second": 20}
